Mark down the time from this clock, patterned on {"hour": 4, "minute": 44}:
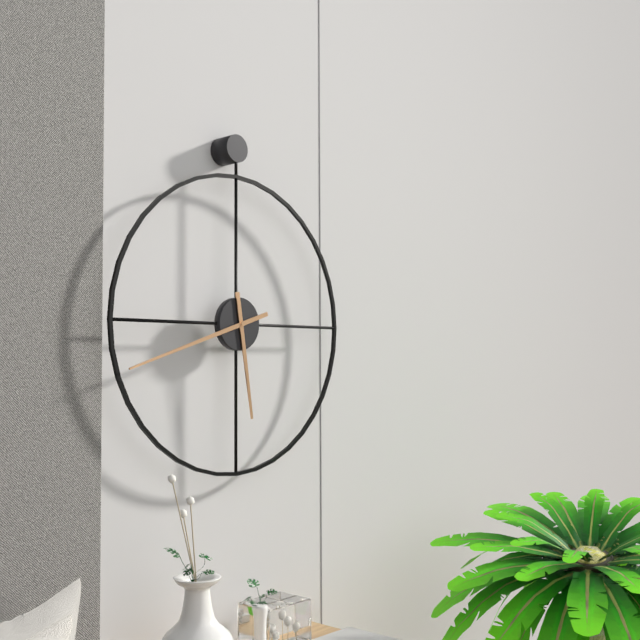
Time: {"hour": 5, "minute": 42}
